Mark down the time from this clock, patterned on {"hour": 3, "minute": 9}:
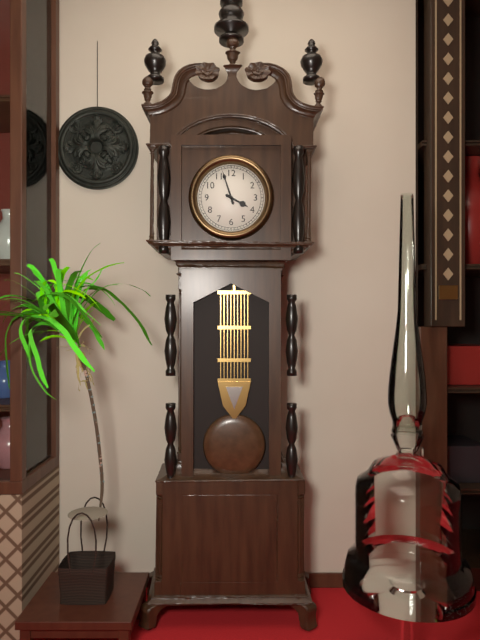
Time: {"hour": 3, "minute": 57}
